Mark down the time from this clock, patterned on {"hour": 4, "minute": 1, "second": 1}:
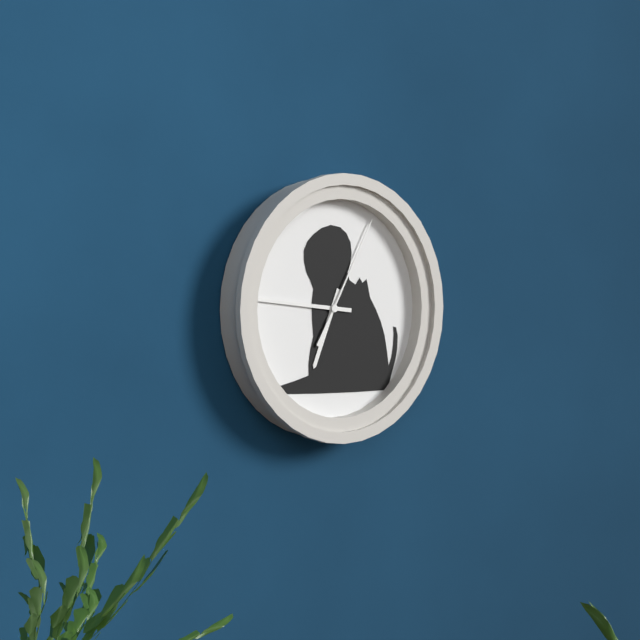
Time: {"hour": 6, "minute": 46, "second": 5}
